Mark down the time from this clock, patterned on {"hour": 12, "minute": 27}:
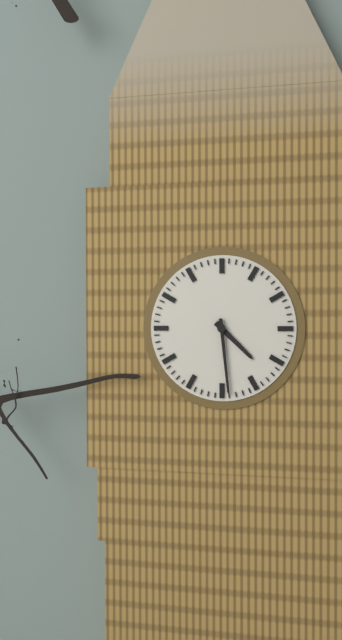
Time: {"hour": 4, "minute": 29}
